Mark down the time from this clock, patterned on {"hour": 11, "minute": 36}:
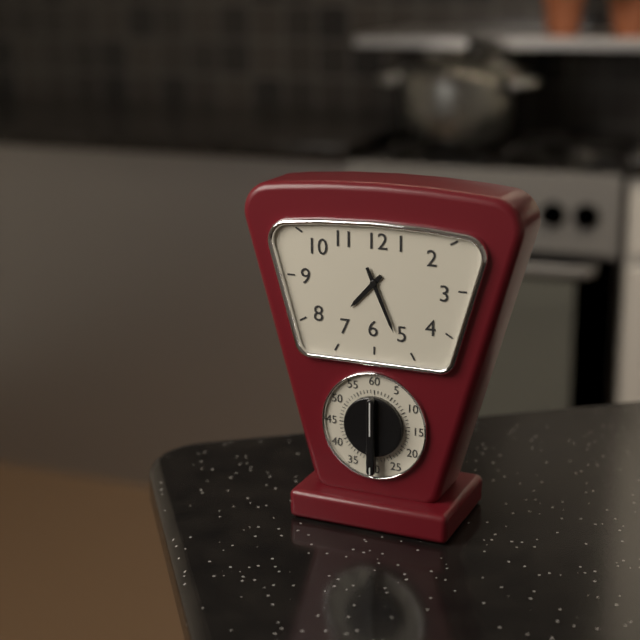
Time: {"hour": 7, "minute": 26}
